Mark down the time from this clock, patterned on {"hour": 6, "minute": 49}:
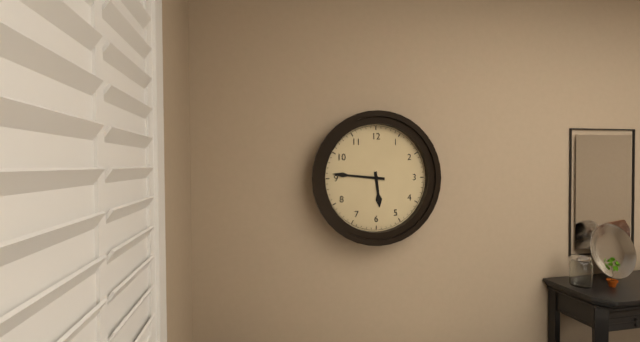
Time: {"hour": 5, "minute": 46}
